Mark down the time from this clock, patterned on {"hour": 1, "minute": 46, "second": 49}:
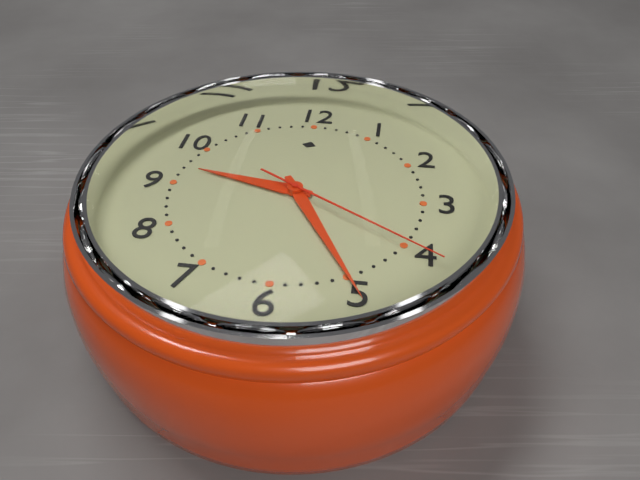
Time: {"hour": 9, "minute": 25, "second": 20}
